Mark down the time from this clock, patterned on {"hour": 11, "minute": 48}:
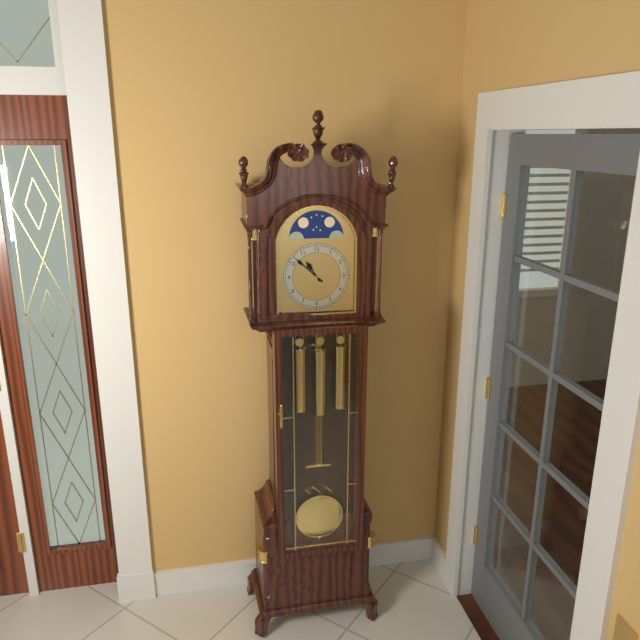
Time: {"hour": 10, "minute": 52}
